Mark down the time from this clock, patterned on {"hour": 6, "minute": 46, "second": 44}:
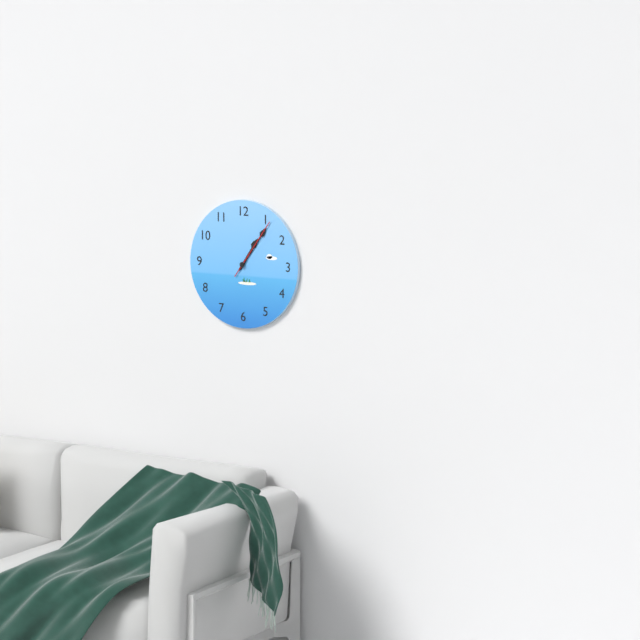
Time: {"hour": 1, "minute": 6, "second": 6}
